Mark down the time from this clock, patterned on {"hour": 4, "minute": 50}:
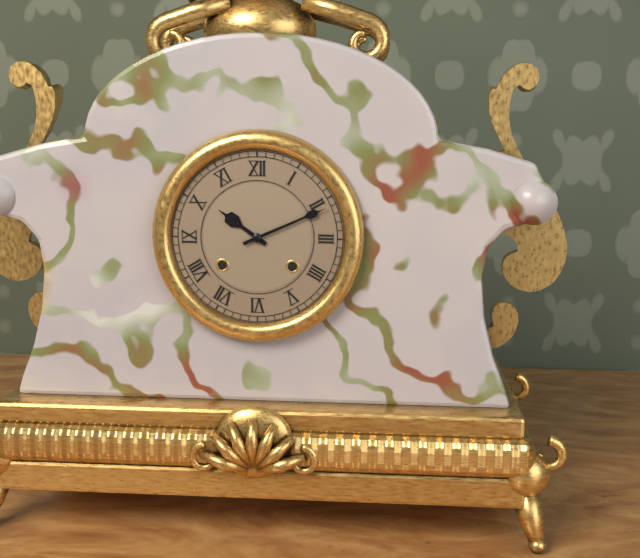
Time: {"hour": 10, "minute": 11}
